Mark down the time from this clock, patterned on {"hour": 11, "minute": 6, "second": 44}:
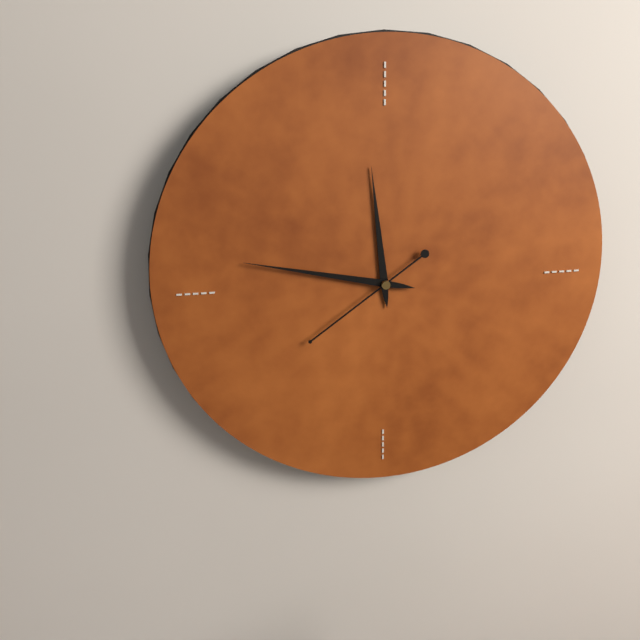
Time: {"hour": 11, "minute": 47, "second": 39}
